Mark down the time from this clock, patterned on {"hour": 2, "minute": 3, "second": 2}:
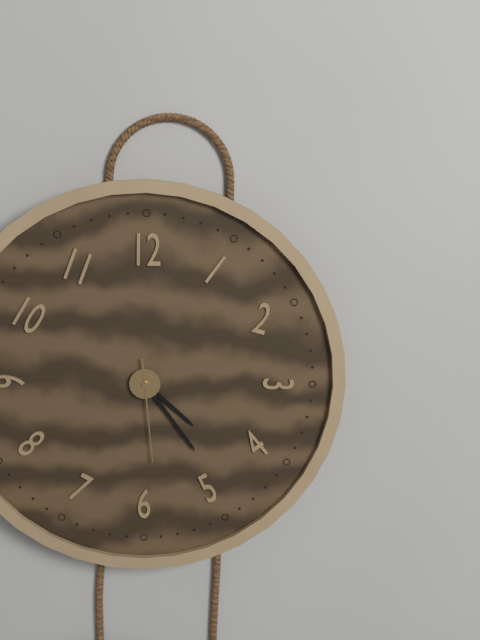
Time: {"hour": 4, "minute": 24, "second": 29}
